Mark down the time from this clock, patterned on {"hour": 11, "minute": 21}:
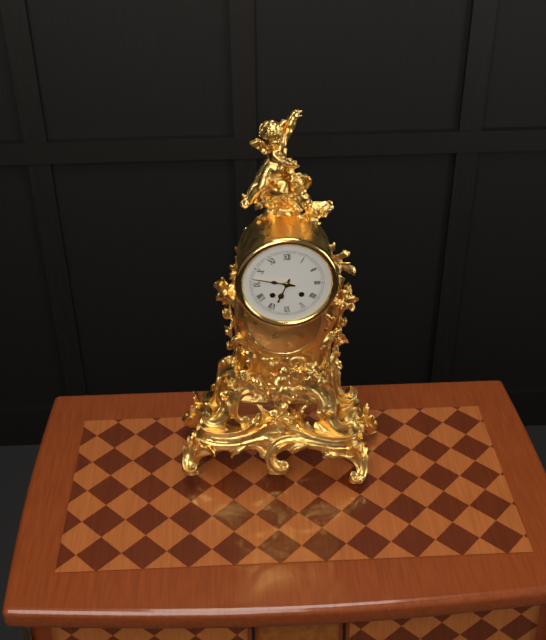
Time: {"hour": 6, "minute": 47}
